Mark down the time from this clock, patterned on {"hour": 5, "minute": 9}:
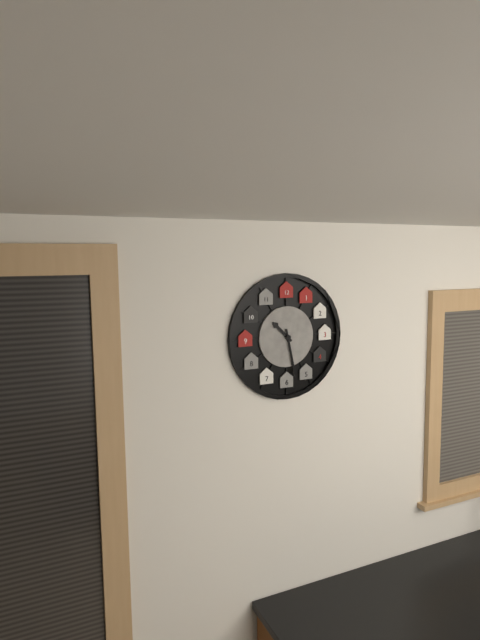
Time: {"hour": 10, "minute": 28}
